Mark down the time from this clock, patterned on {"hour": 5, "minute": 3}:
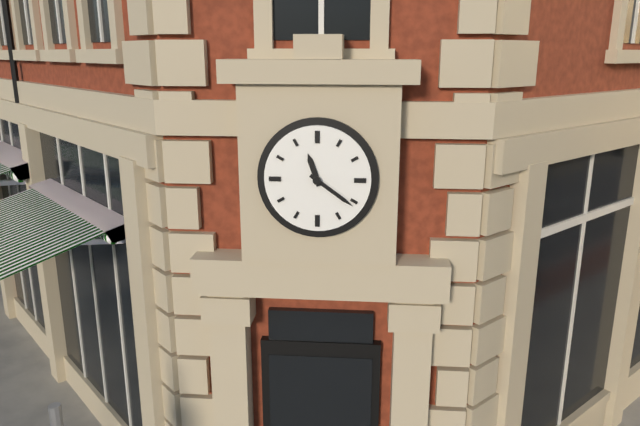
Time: {"hour": 11, "minute": 21}
